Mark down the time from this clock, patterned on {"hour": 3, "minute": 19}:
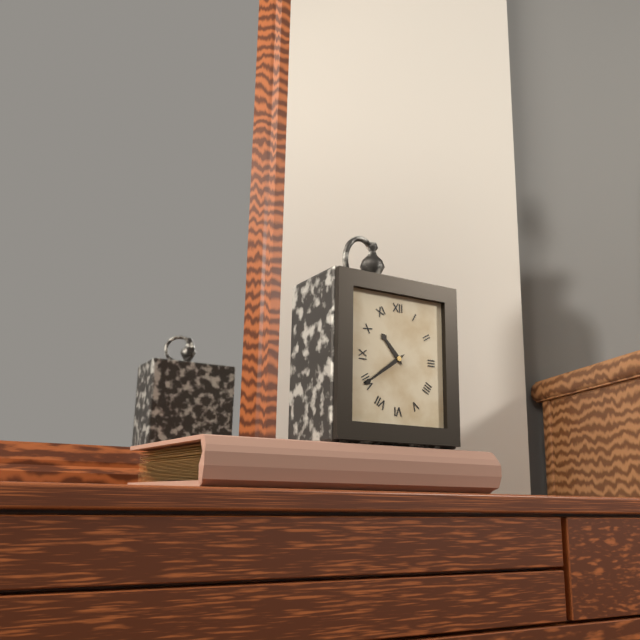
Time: {"hour": 10, "minute": 39}
